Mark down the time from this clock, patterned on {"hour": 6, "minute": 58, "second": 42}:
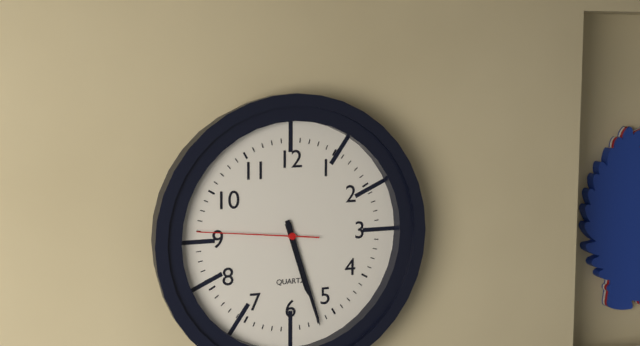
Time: {"hour": 5, "minute": 27, "second": 46}
